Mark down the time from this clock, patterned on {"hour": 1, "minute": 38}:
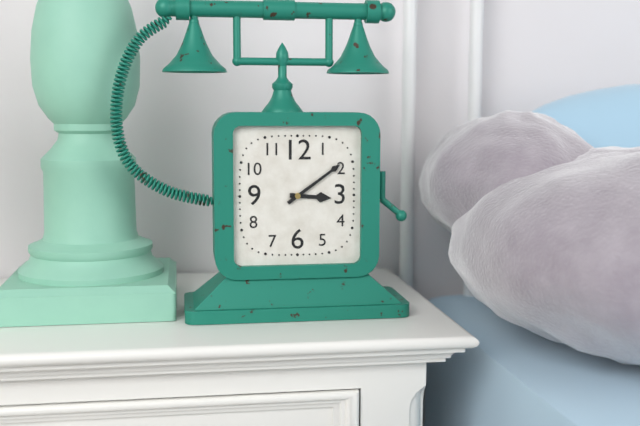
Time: {"hour": 3, "minute": 9}
